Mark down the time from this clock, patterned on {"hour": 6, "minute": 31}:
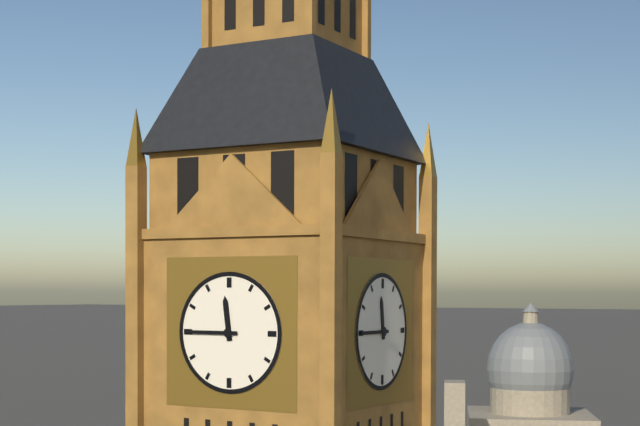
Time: {"hour": 11, "minute": 45}
